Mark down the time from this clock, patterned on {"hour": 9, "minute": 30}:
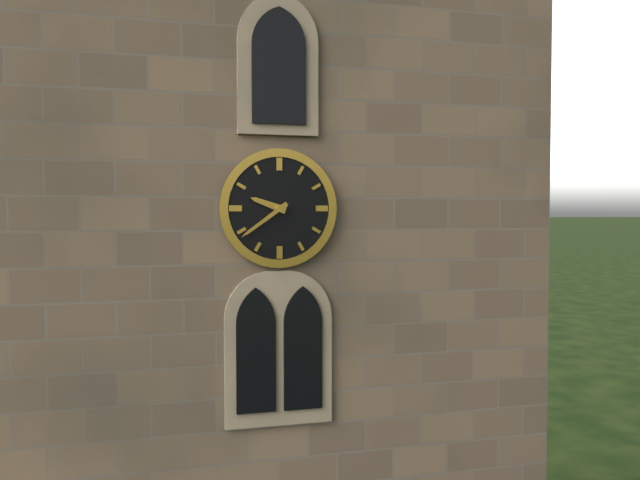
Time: {"hour": 9, "minute": 39}
